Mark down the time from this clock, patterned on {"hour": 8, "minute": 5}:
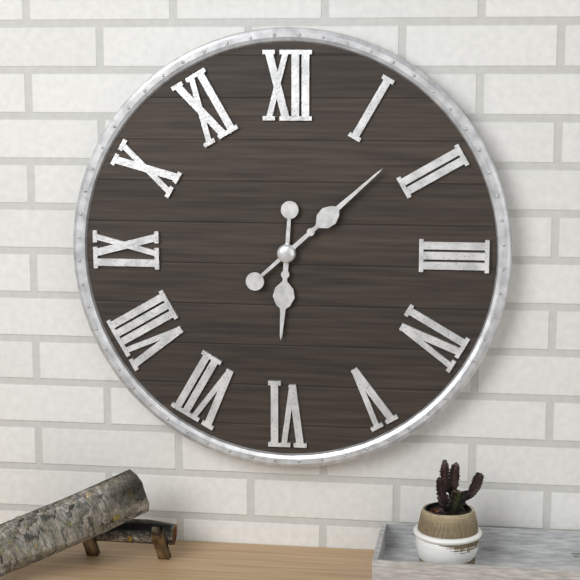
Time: {"hour": 6, "minute": 8}
